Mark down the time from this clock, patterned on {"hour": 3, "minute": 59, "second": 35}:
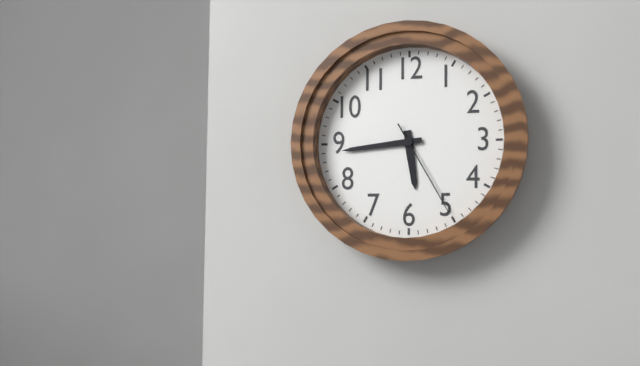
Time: {"hour": 5, "minute": 44, "second": 25}
